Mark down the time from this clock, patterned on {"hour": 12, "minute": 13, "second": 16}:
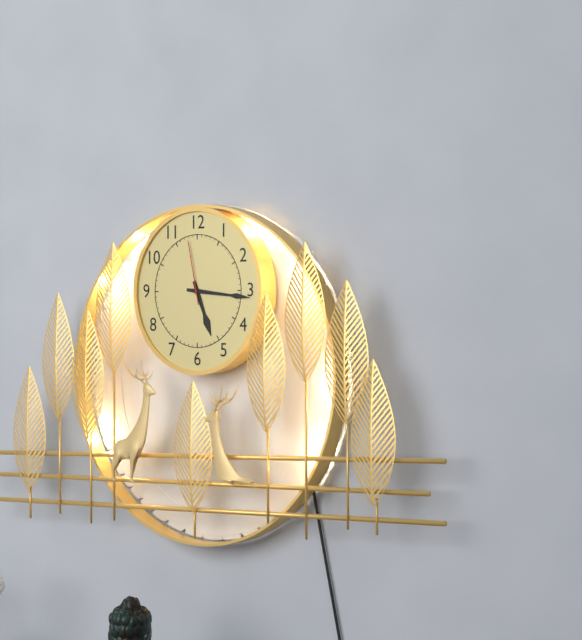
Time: {"hour": 5, "minute": 16, "second": 58}
